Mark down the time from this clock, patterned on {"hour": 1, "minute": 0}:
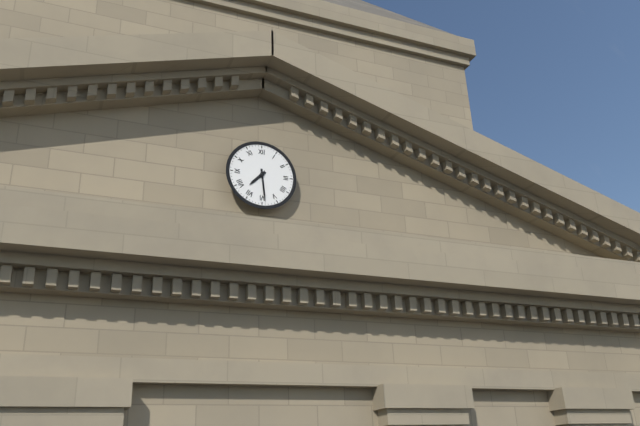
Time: {"hour": 7, "minute": 29}
